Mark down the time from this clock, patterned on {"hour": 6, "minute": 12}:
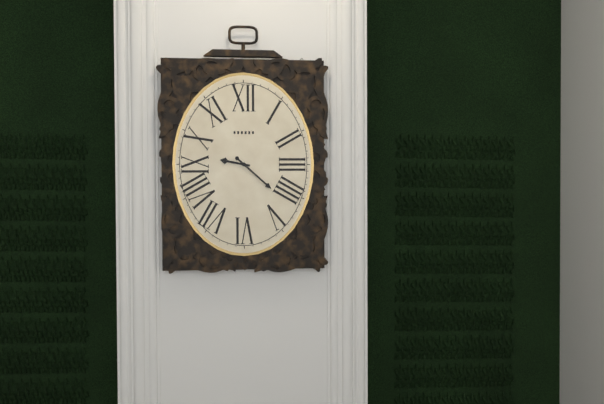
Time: {"hour": 9, "minute": 22}
